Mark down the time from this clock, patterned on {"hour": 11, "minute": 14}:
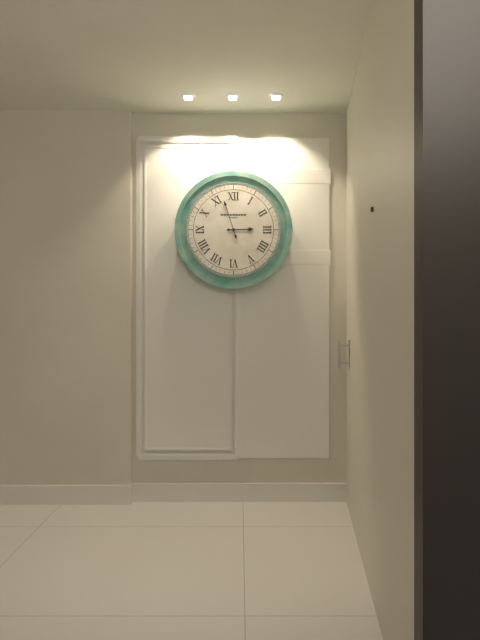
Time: {"hour": 2, "minute": 57}
